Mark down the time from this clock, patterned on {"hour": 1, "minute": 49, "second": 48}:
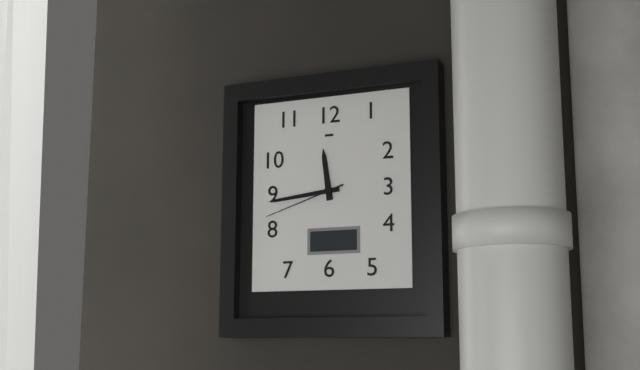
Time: {"hour": 11, "minute": 44, "second": 42}
